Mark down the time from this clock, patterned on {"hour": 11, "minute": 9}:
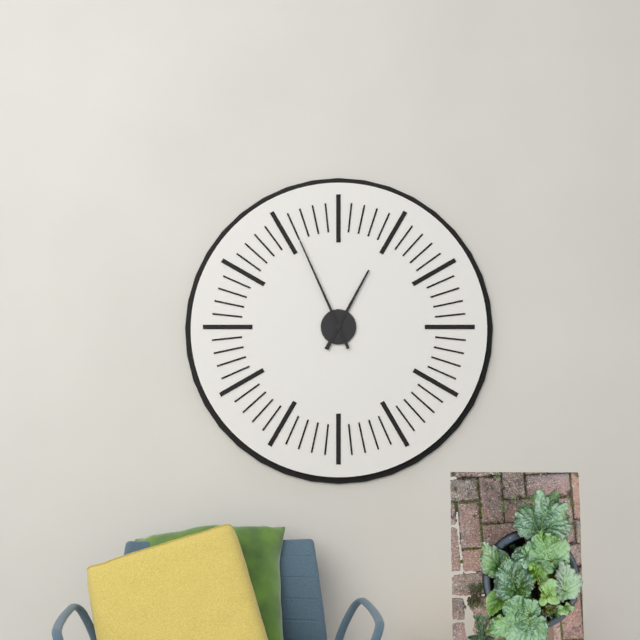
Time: {"hour": 12, "minute": 56}
